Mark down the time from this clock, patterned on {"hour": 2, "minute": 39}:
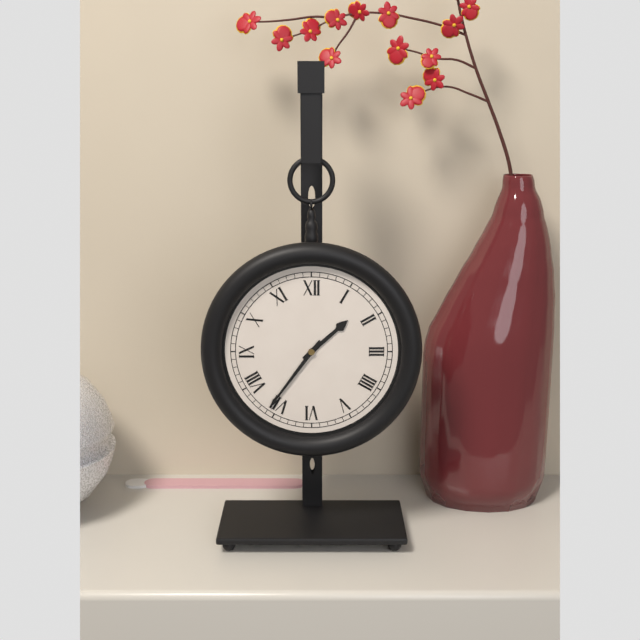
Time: {"hour": 1, "minute": 36}
